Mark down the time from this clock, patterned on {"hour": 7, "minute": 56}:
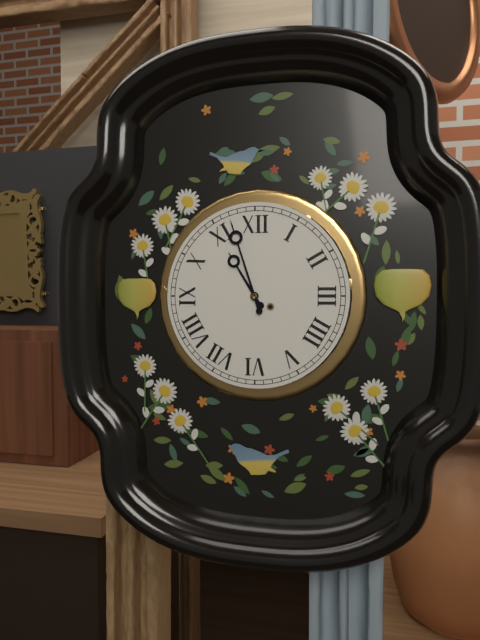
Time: {"hour": 10, "minute": 57}
